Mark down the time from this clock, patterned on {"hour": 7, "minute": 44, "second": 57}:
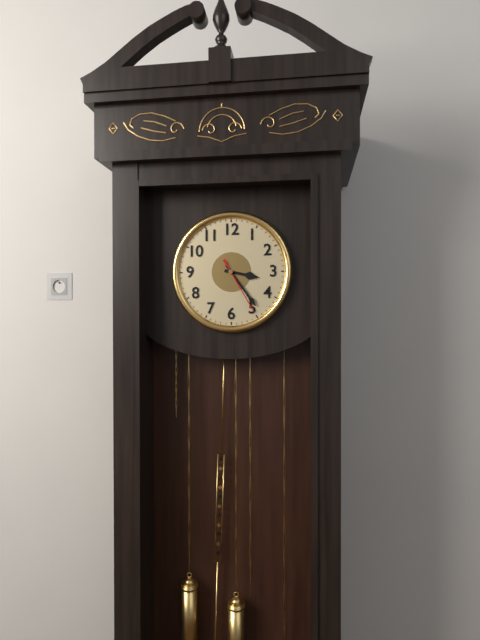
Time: {"hour": 3, "minute": 24, "second": 25}
